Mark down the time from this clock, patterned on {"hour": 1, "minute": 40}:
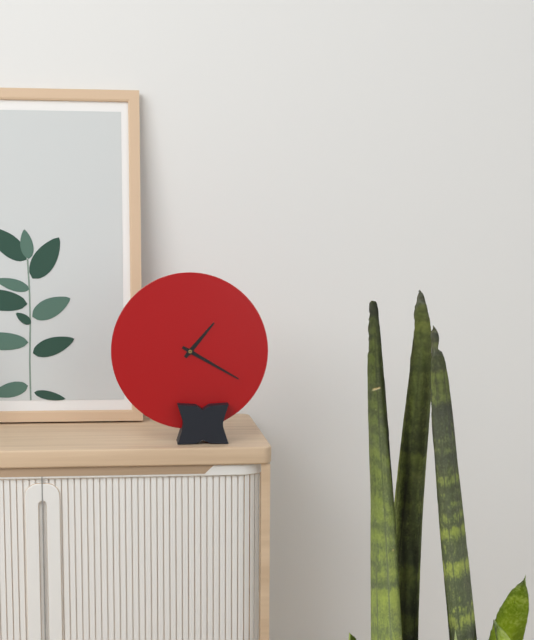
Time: {"hour": 1, "minute": 20}
